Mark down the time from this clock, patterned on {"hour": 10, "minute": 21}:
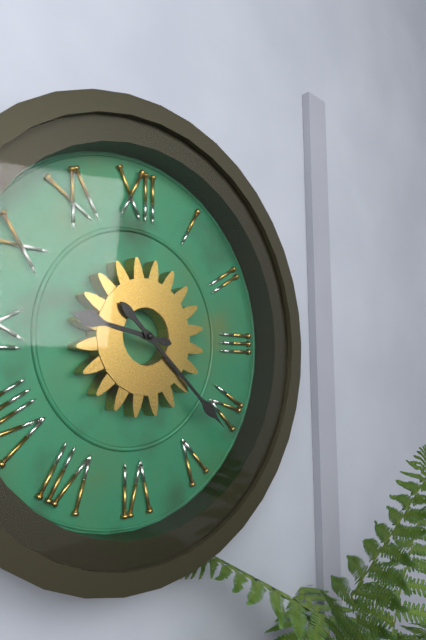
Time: {"hour": 9, "minute": 22}
